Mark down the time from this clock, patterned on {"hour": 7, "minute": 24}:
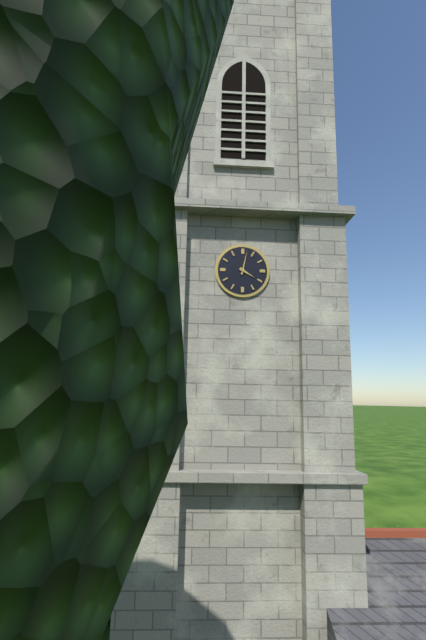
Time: {"hour": 4, "minute": 2}
